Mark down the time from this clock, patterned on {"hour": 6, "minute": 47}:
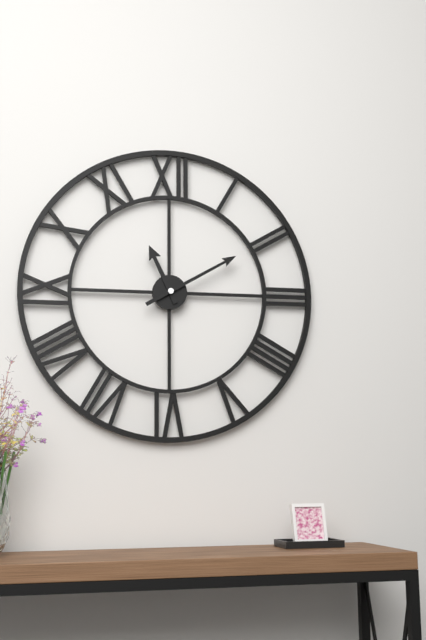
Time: {"hour": 11, "minute": 10}
